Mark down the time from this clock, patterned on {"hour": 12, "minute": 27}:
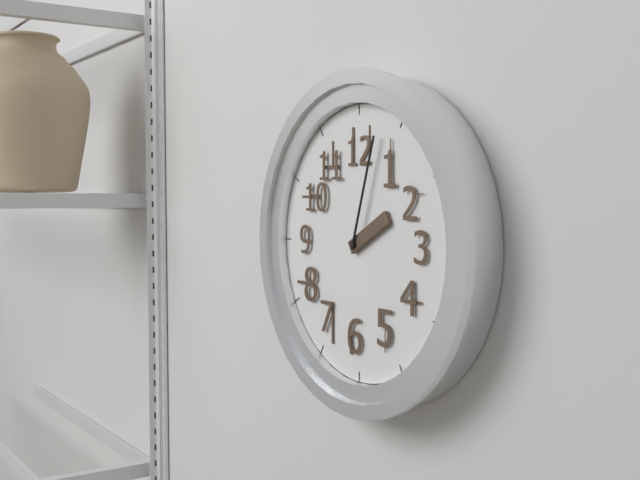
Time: {"hour": 2, "minute": 3}
